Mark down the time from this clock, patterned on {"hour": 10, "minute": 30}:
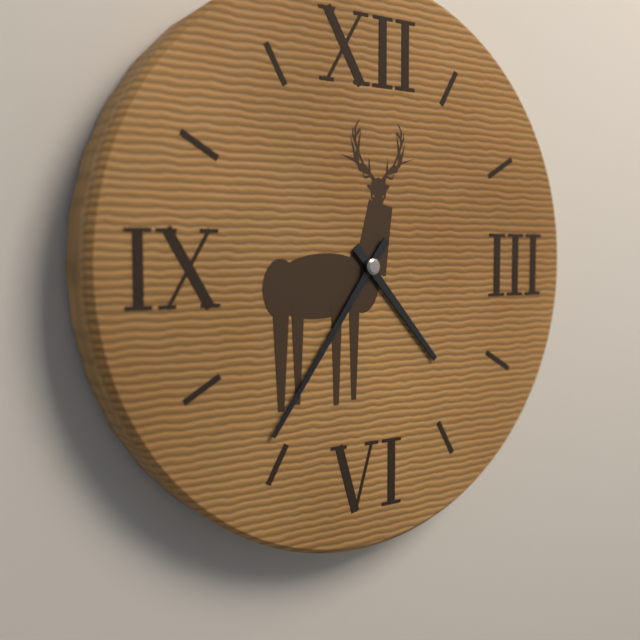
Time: {"hour": 4, "minute": 36}
